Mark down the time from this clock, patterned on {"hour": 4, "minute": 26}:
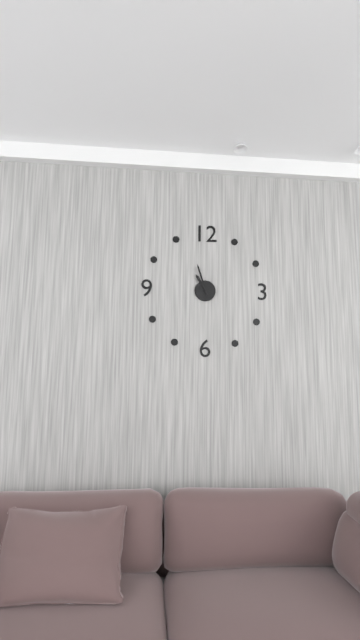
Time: {"hour": 10, "minute": 57}
